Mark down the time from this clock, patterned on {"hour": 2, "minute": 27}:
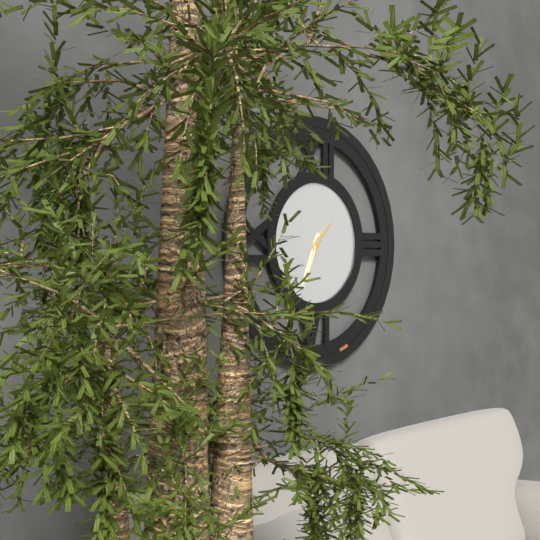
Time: {"hour": 1, "minute": 34}
